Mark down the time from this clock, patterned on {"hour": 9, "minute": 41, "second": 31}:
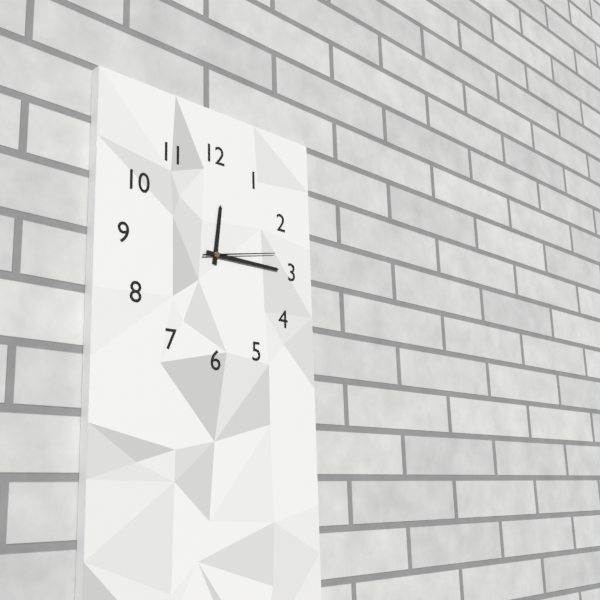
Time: {"hour": 12, "minute": 15, "second": 13}
